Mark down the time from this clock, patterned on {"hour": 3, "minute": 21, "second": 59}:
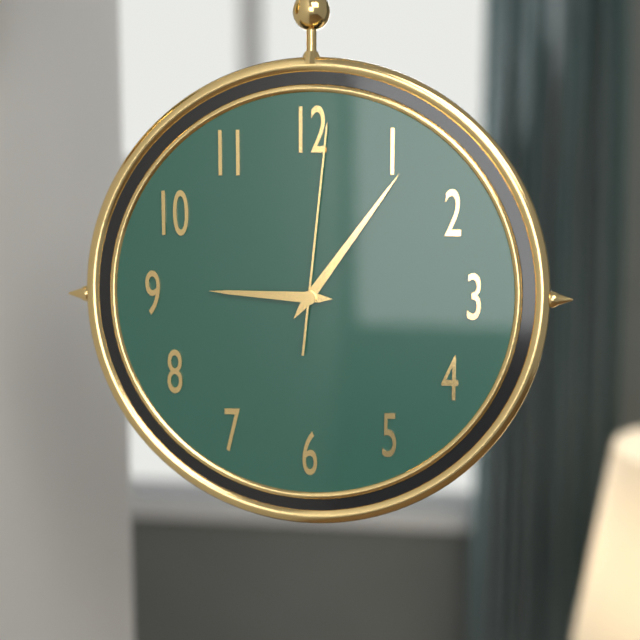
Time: {"hour": 9, "minute": 6, "second": 1}
